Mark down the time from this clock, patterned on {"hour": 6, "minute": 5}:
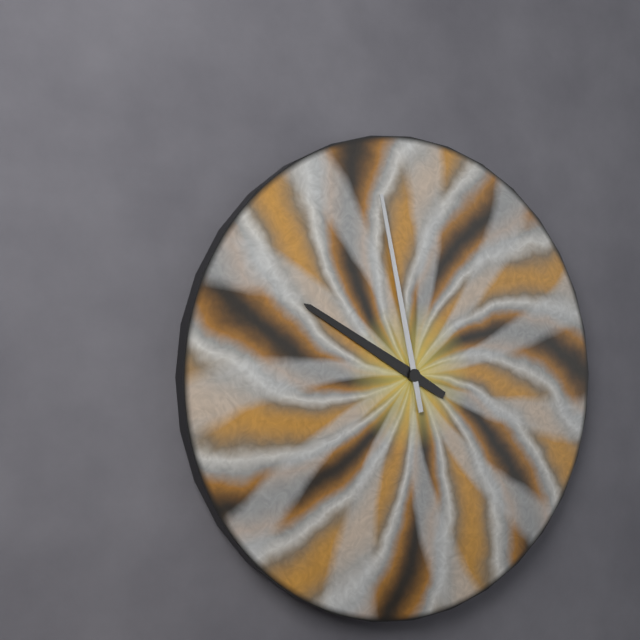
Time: {"hour": 9, "minute": 58}
